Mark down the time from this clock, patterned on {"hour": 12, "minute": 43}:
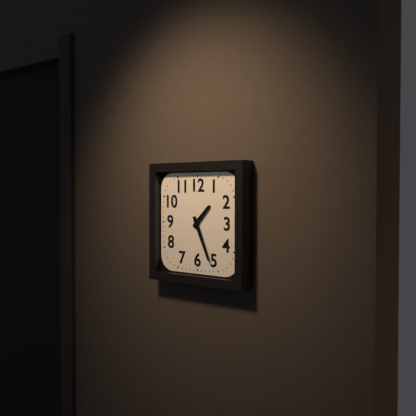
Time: {"hour": 1, "minute": 26}
